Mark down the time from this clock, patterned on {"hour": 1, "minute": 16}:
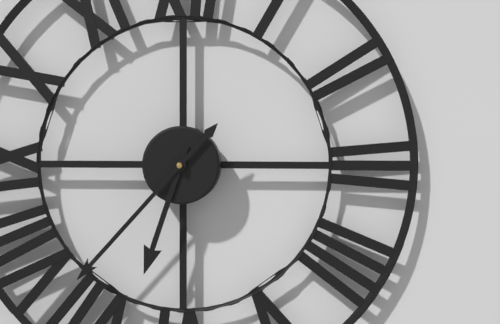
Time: {"hour": 6, "minute": 37}
